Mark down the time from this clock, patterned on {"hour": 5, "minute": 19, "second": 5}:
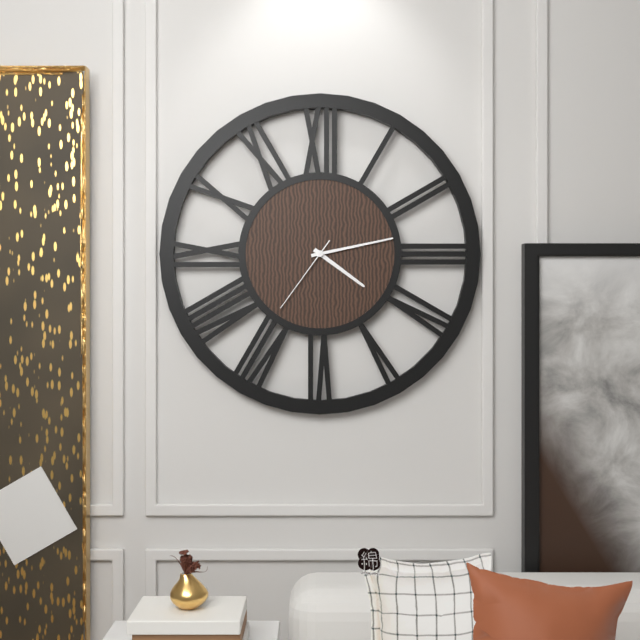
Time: {"hour": 4, "minute": 13, "second": 36}
